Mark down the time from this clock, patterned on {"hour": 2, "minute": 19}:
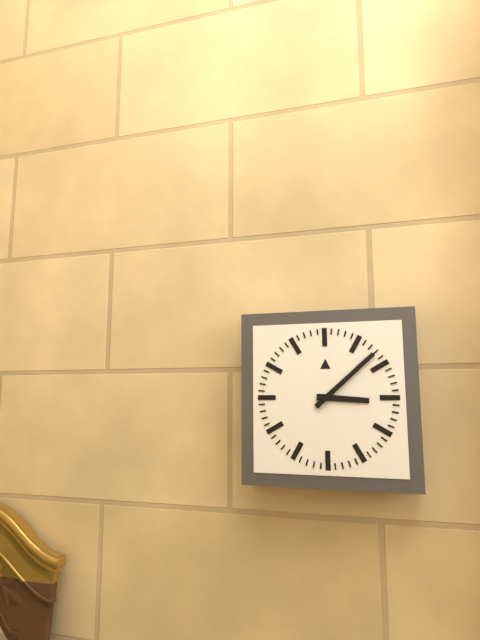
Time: {"hour": 3, "minute": 8}
